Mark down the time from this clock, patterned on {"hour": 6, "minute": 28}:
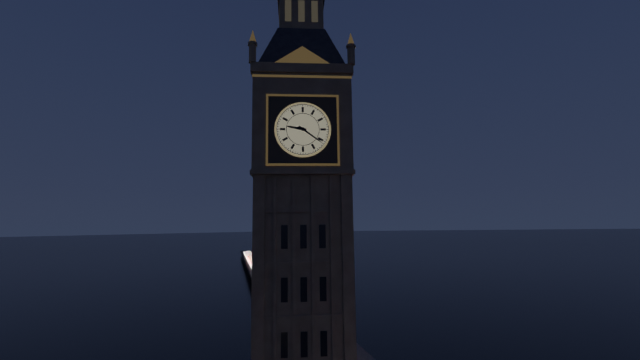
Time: {"hour": 9, "minute": 21}
